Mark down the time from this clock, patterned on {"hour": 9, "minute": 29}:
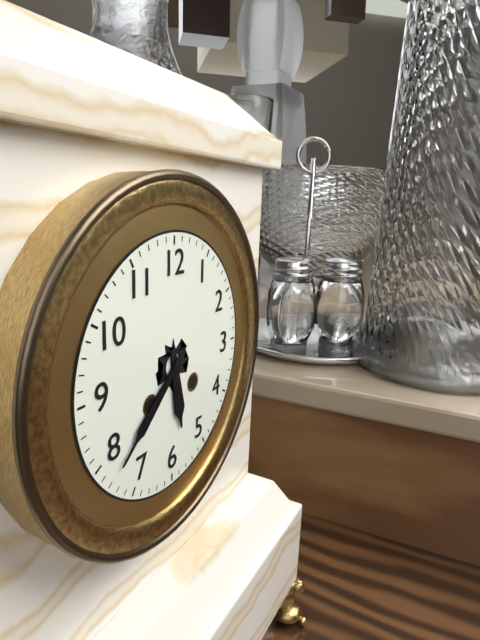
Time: {"hour": 5, "minute": 38}
